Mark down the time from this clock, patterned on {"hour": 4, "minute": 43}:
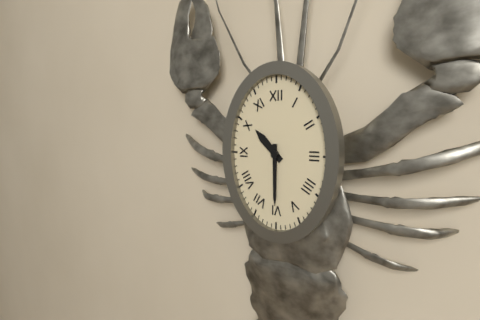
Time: {"hour": 10, "minute": 30}
